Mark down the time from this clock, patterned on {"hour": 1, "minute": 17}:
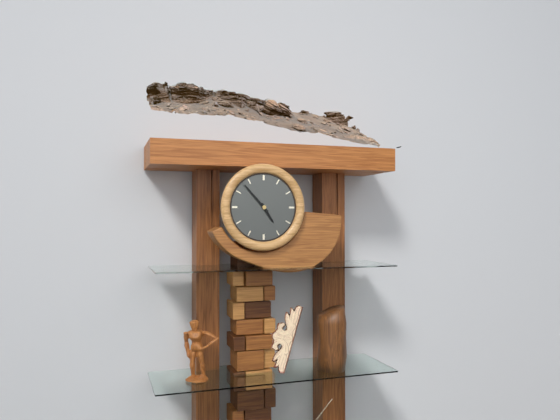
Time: {"hour": 4, "minute": 53}
